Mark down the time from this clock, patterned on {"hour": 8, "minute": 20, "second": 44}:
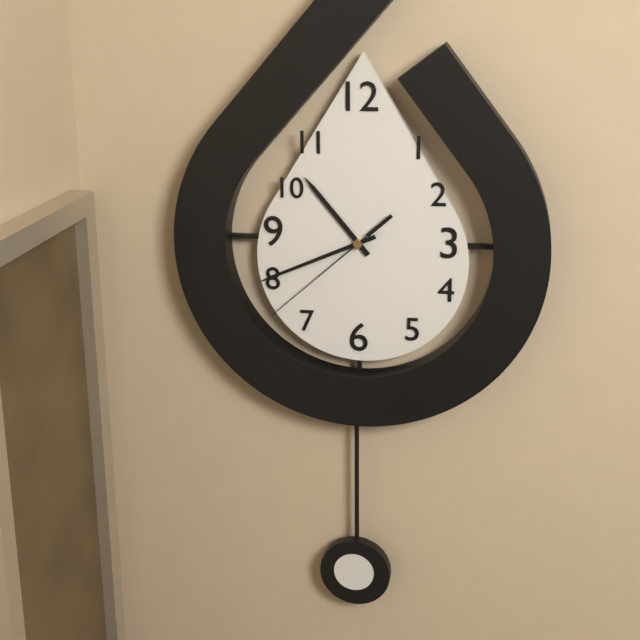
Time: {"hour": 10, "minute": 41, "second": 38}
